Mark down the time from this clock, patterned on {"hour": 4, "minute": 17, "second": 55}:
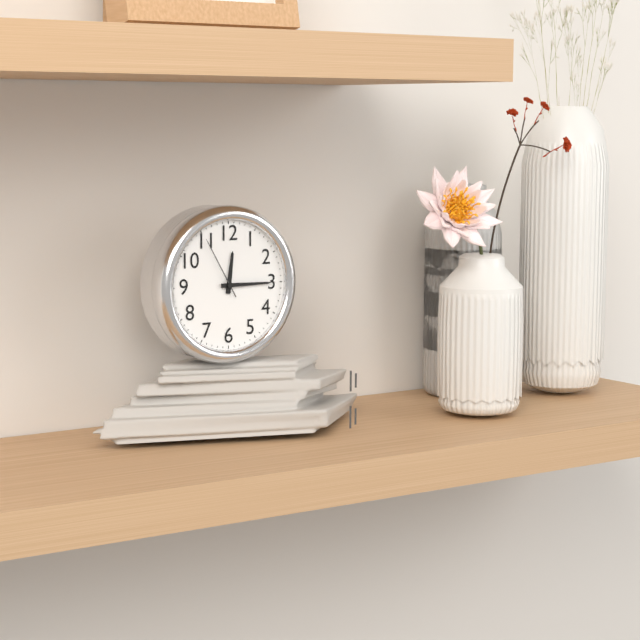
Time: {"hour": 12, "minute": 15, "second": 55}
